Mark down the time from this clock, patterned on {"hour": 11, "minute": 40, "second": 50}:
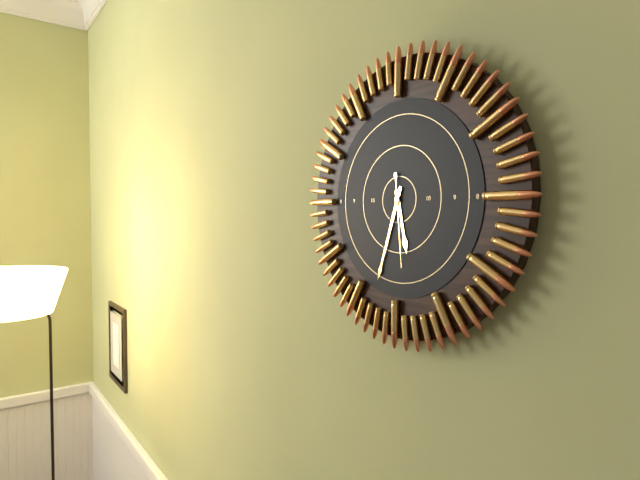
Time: {"hour": 5, "minute": 33, "second": 29}
